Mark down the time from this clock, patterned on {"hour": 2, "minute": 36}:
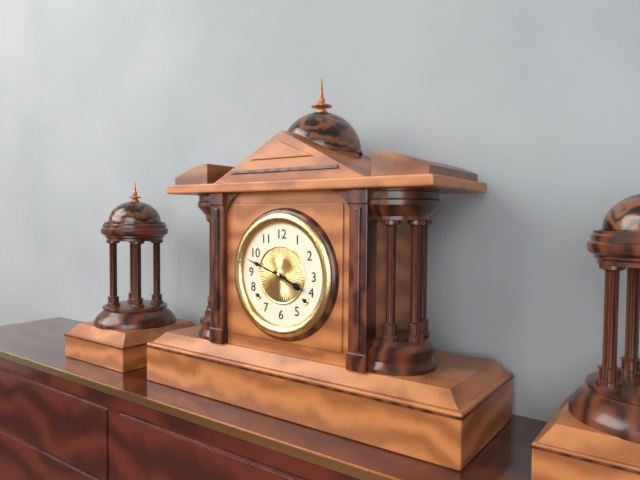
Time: {"hour": 3, "minute": 48}
